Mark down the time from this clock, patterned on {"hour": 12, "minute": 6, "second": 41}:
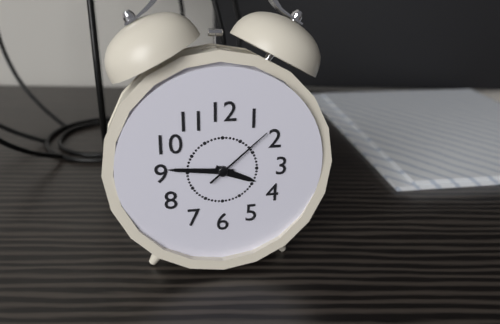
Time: {"hour": 3, "minute": 46, "second": 8}
